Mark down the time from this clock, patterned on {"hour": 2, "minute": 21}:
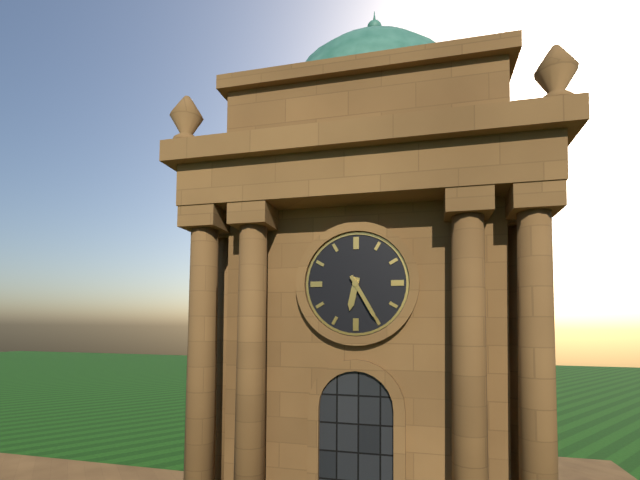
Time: {"hour": 6, "minute": 25}
